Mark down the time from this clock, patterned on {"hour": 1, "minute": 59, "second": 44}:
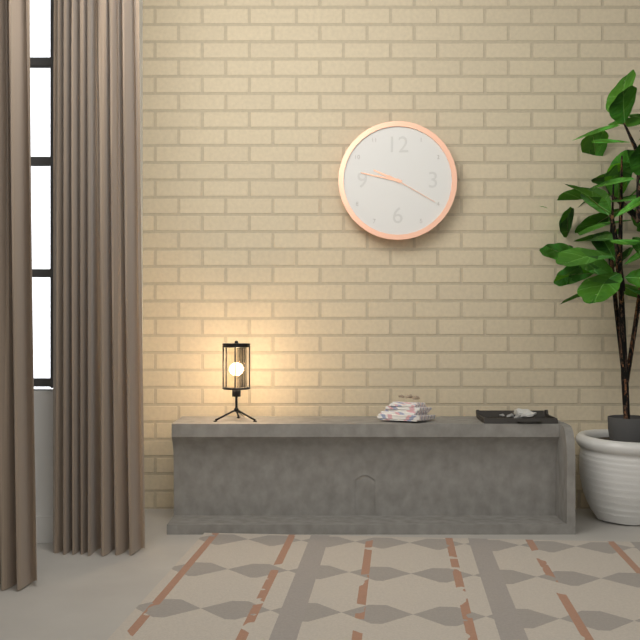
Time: {"hour": 9, "minute": 47, "second": 20}
